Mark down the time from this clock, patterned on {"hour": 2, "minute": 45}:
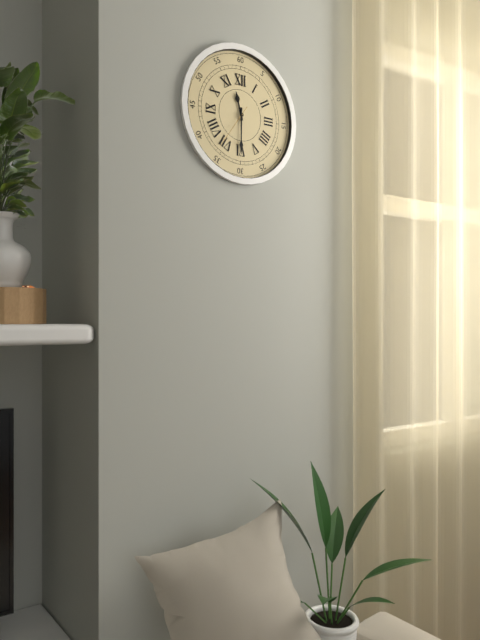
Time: {"hour": 11, "minute": 30}
